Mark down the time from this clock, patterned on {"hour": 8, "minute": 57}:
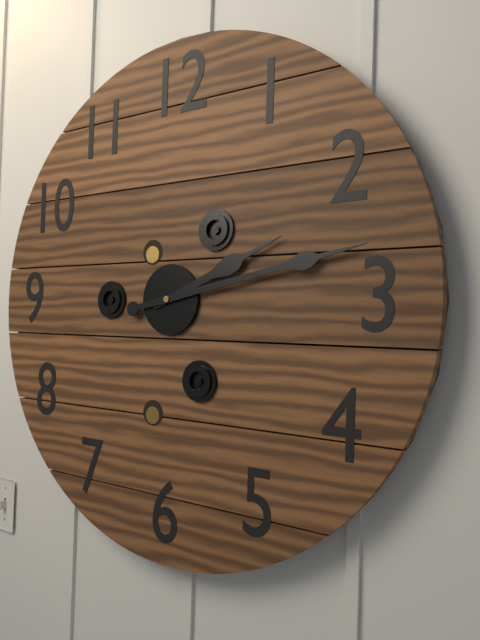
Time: {"hour": 2, "minute": 13}
